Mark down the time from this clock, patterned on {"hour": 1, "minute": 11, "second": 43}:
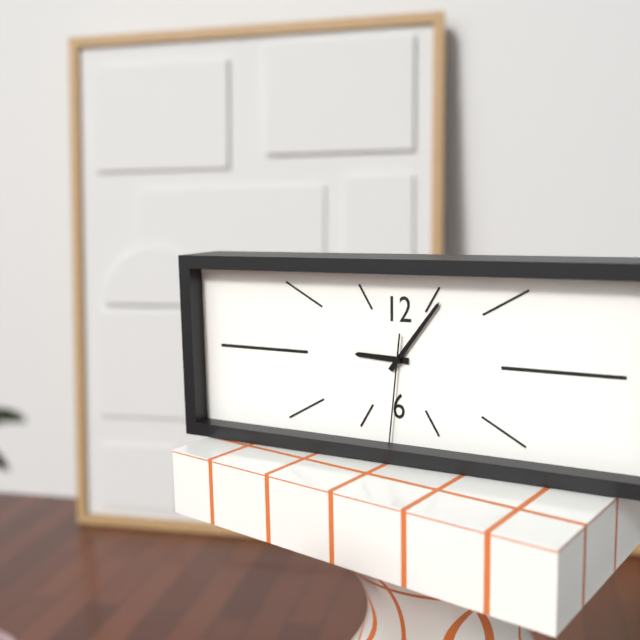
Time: {"hour": 9, "minute": 6, "second": 31}
